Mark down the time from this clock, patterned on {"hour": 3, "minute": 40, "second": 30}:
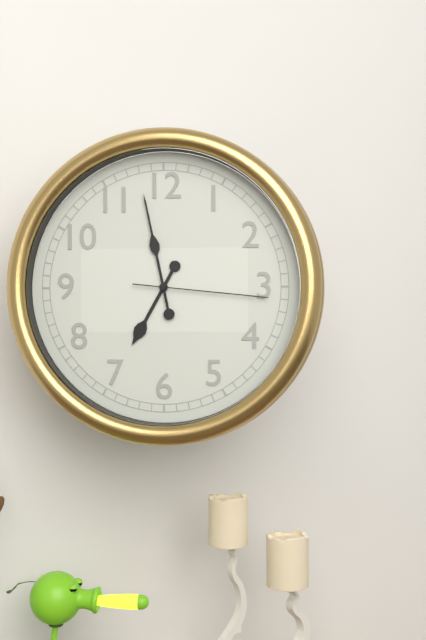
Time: {"hour": 6, "minute": 58, "second": 16}
